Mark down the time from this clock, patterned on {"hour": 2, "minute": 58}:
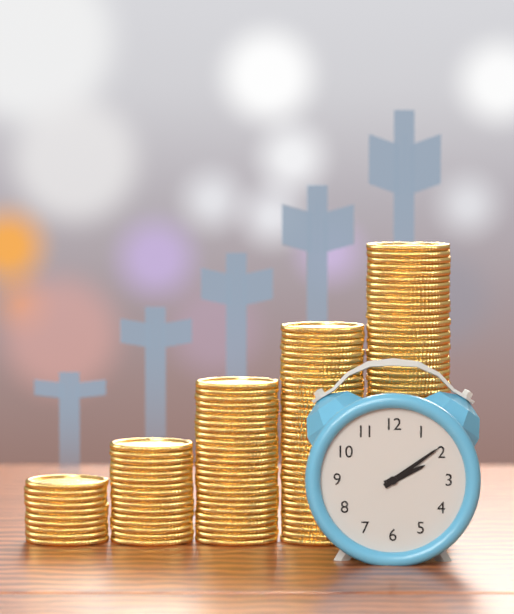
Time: {"hour": 2, "minute": 9}
